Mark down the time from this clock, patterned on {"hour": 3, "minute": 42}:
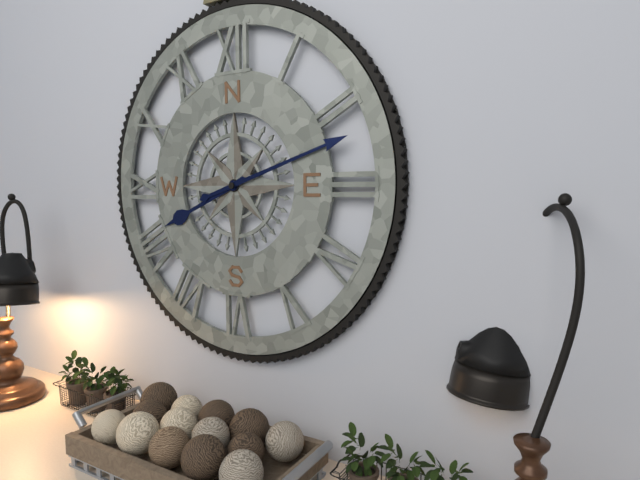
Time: {"hour": 8, "minute": 12}
